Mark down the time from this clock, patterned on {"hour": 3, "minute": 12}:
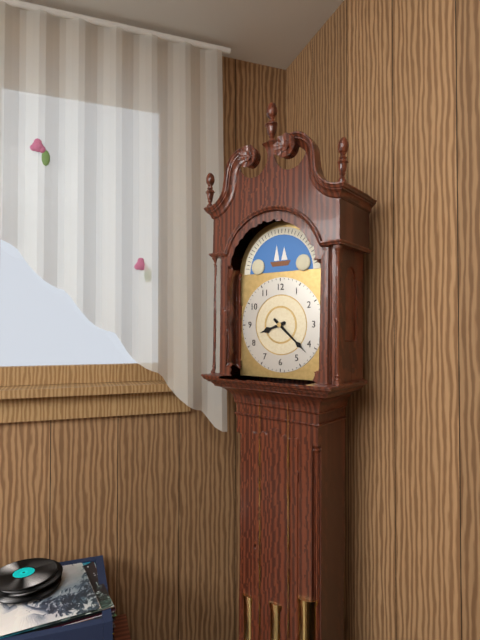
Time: {"hour": 8, "minute": 22}
